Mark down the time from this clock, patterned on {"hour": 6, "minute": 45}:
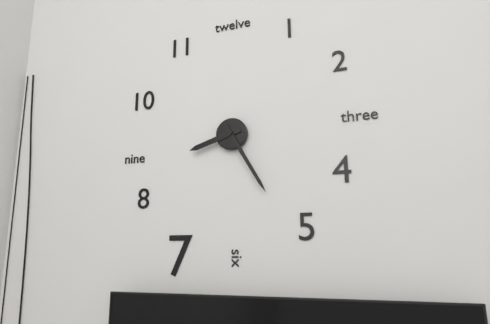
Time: {"hour": 8, "minute": 25}
